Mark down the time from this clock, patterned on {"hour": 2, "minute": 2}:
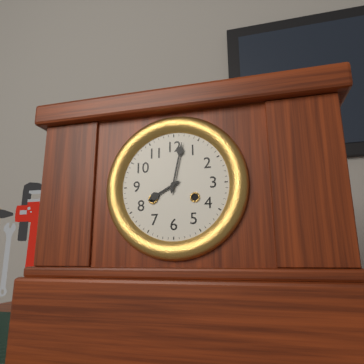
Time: {"hour": 8, "minute": 2}
